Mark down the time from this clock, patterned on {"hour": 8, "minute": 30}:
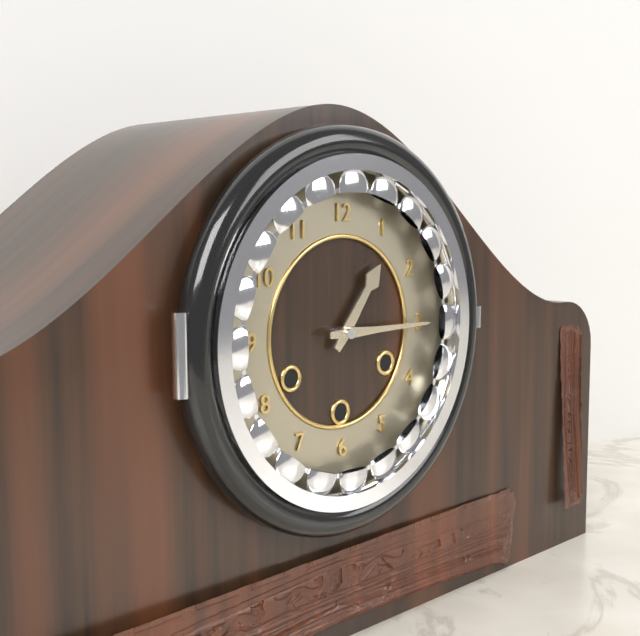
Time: {"hour": 1, "minute": 15}
